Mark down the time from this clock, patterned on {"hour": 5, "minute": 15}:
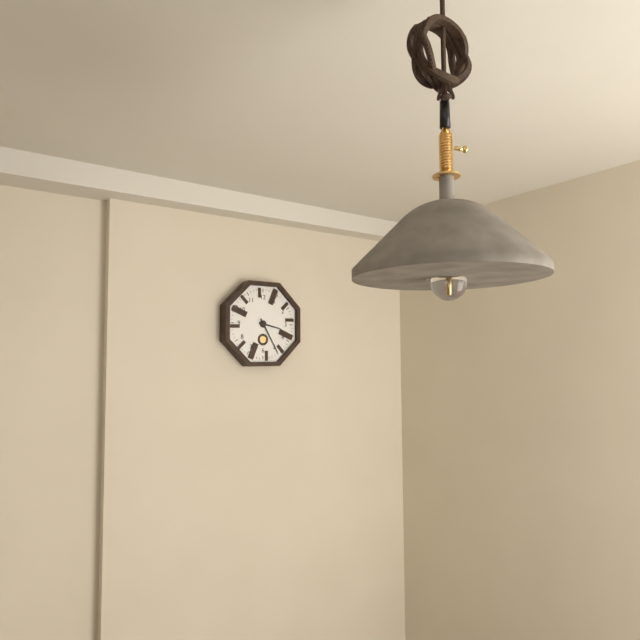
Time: {"hour": 3, "minute": 25}
